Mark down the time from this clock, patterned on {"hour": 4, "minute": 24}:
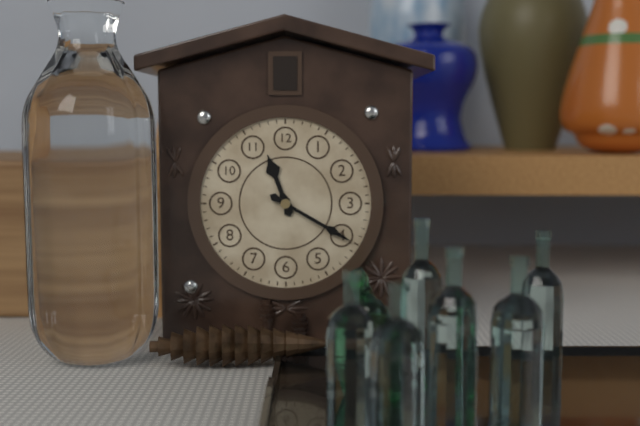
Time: {"hour": 11, "minute": 20}
